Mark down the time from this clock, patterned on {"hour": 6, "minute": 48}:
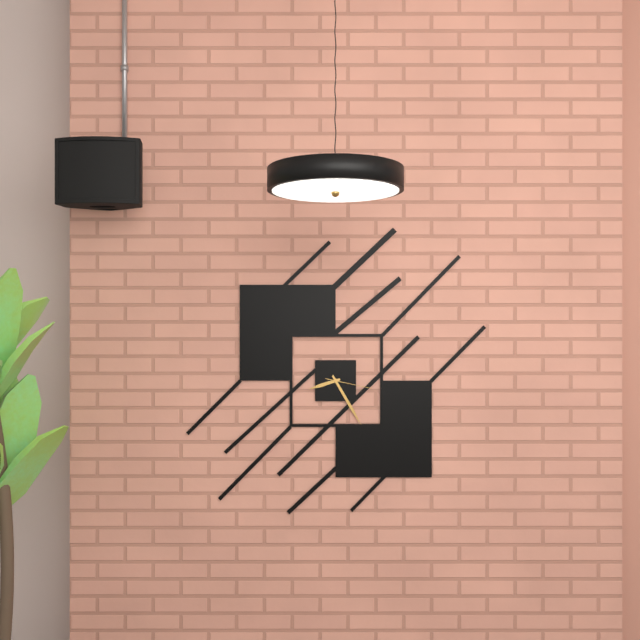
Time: {"hour": 8, "minute": 25}
